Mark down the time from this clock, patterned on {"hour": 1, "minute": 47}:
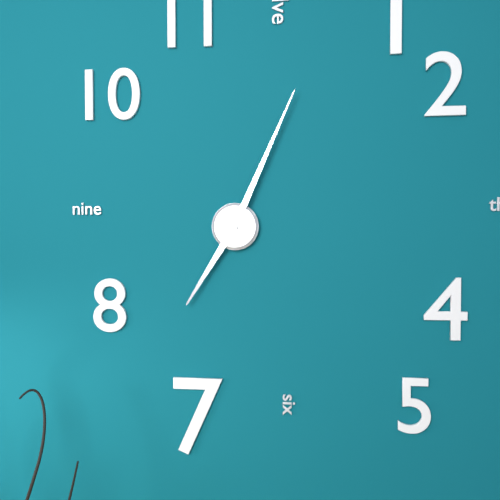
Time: {"hour": 7, "minute": 4}
